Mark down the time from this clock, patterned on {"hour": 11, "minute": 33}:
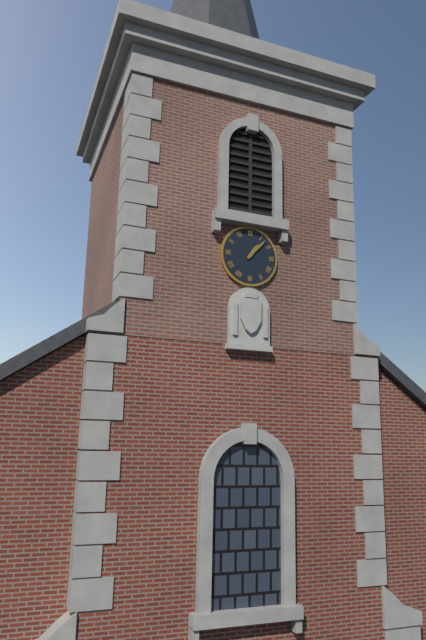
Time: {"hour": 1, "minute": 7}
